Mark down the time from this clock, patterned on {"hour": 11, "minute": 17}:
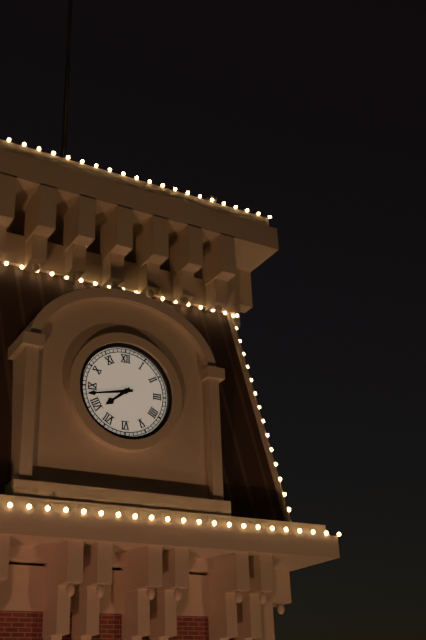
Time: {"hour": 7, "minute": 43}
